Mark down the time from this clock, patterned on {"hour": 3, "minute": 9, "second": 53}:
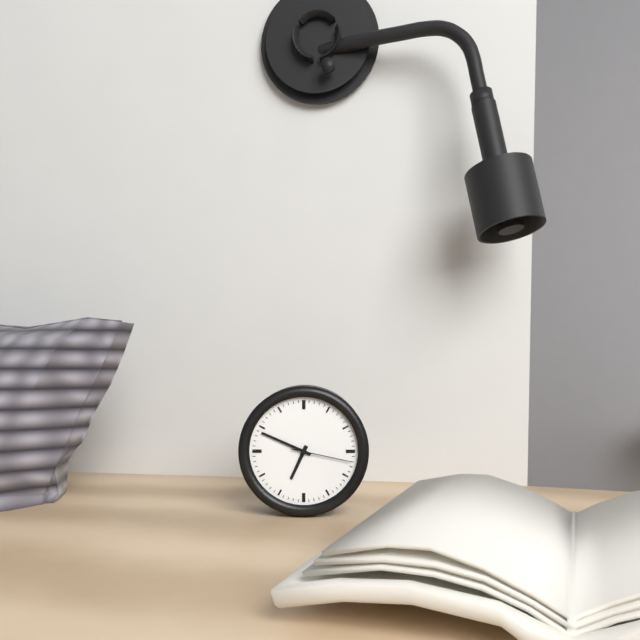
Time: {"hour": 6, "minute": 49, "second": 17}
